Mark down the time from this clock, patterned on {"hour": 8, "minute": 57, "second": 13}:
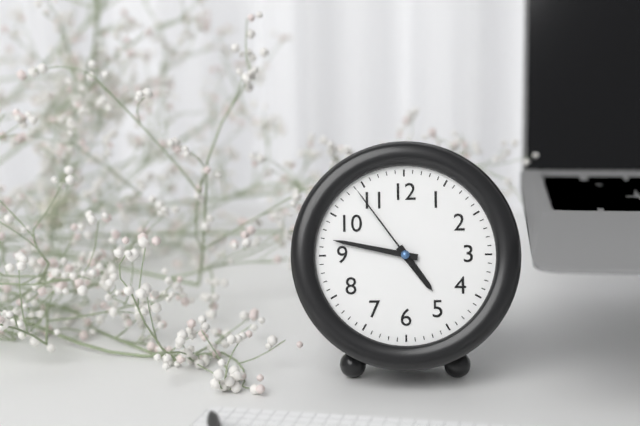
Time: {"hour": 4, "minute": 47, "second": 54}
